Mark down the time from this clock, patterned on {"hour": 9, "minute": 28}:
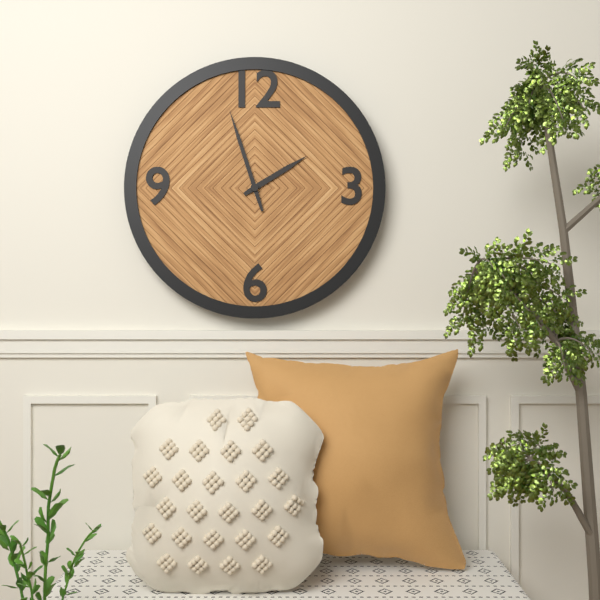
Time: {"hour": 1, "minute": 57}
